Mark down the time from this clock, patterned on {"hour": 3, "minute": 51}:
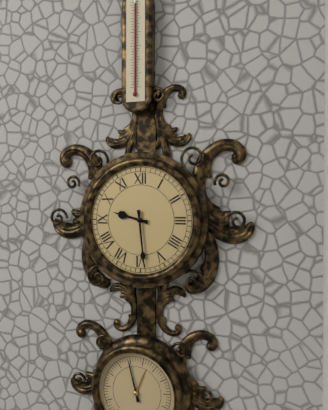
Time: {"hour": 9, "minute": 29}
